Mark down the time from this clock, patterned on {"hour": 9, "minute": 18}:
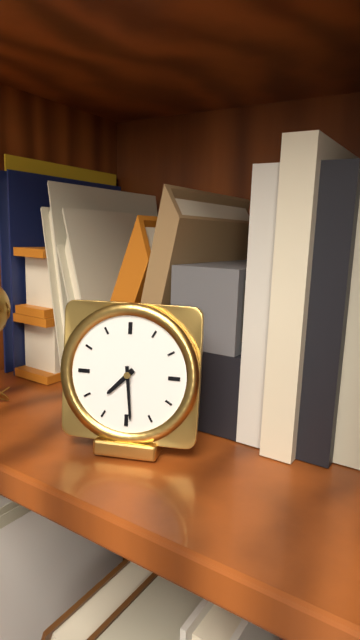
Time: {"hour": 7, "minute": 29}
